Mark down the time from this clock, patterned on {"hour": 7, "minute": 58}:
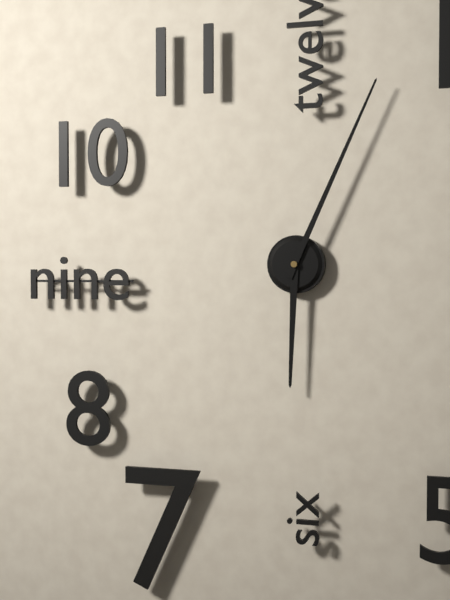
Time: {"hour": 6, "minute": 4}
